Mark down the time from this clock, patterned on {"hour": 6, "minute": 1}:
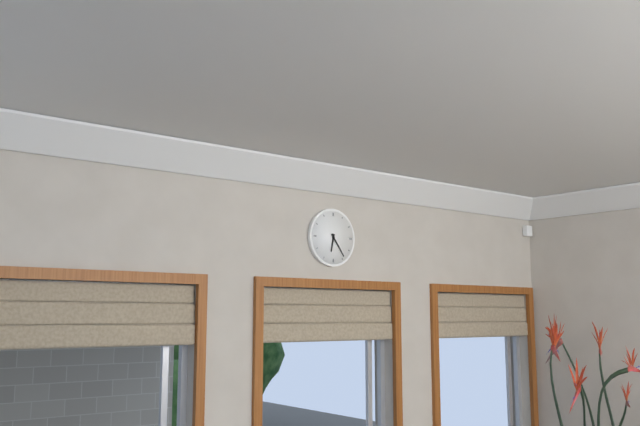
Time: {"hour": 6, "minute": 24}
